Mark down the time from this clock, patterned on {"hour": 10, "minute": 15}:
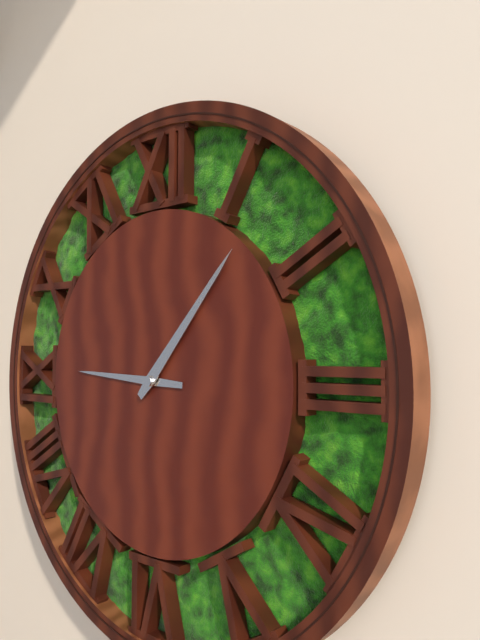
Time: {"hour": 9, "minute": 7}
